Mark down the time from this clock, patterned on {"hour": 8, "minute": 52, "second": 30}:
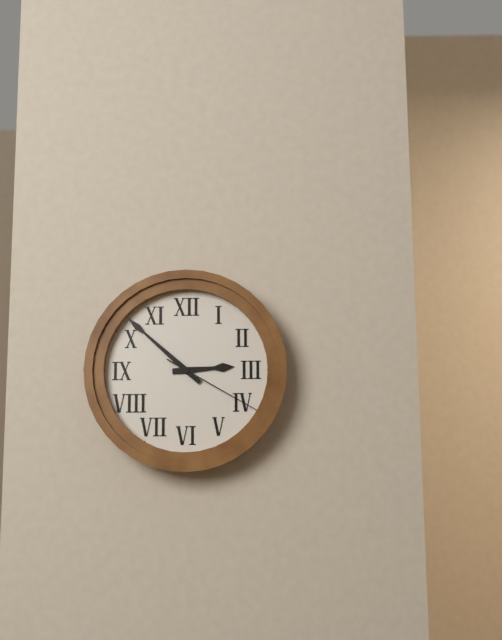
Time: {"hour": 2, "minute": 52, "second": 20}
